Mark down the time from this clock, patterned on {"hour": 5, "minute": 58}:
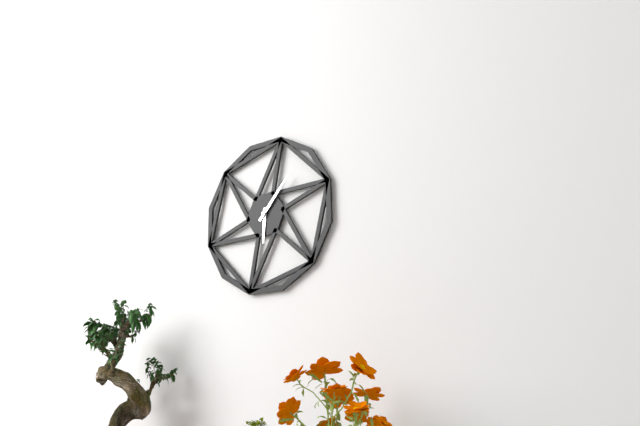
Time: {"hour": 6, "minute": 7}
